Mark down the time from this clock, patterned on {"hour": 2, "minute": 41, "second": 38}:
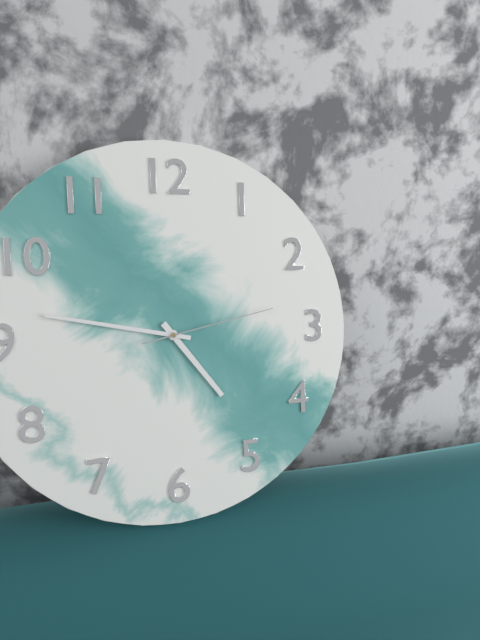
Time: {"hour": 4, "minute": 47, "second": 13}
